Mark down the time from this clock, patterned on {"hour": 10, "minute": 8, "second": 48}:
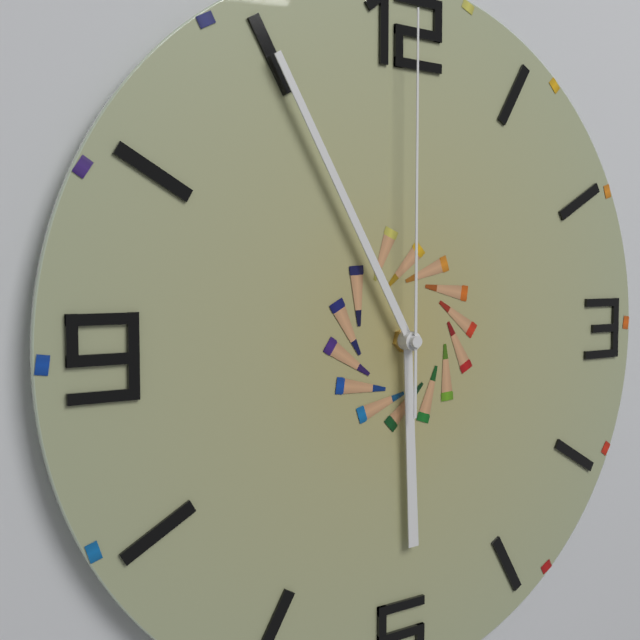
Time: {"hour": 5, "minute": 55, "second": 0}
